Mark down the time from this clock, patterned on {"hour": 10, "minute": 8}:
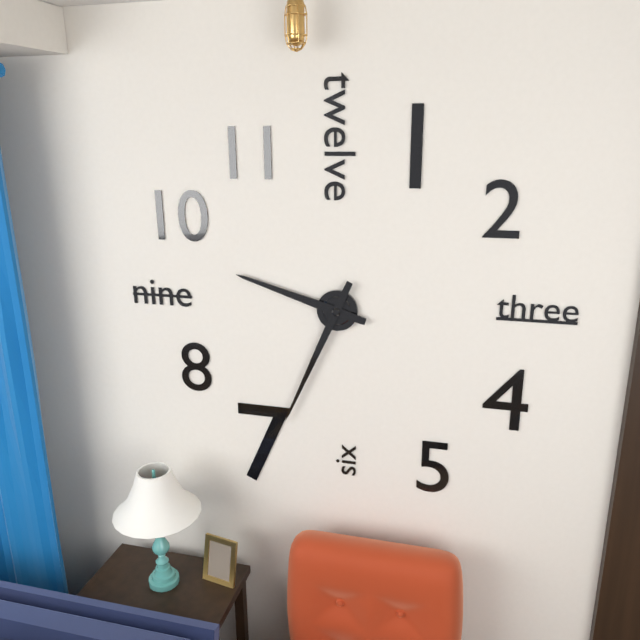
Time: {"hour": 9, "minute": 34}
